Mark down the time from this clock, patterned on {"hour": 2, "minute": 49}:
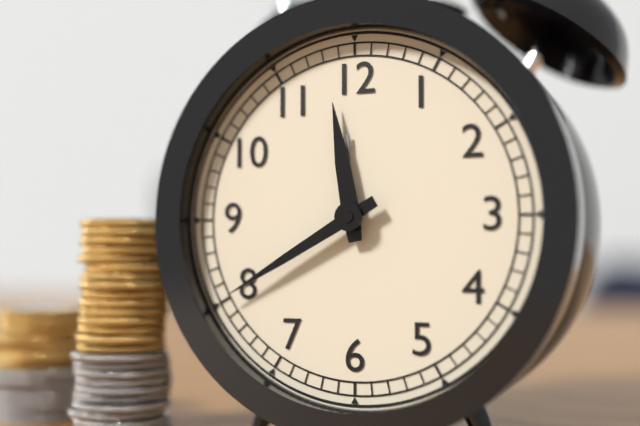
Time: {"hour": 11, "minute": 40}
